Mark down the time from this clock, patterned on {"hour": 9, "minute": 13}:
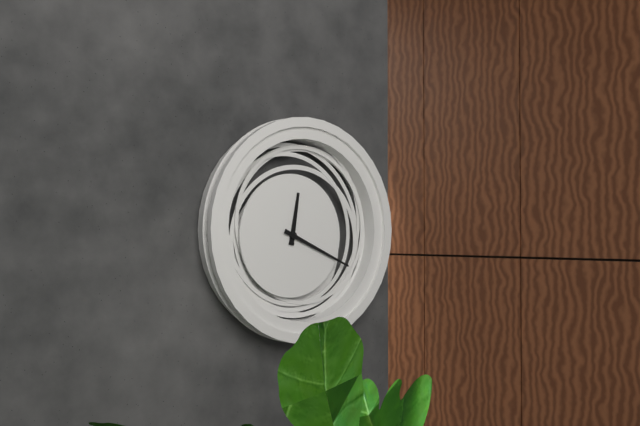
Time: {"hour": 12, "minute": 19}
